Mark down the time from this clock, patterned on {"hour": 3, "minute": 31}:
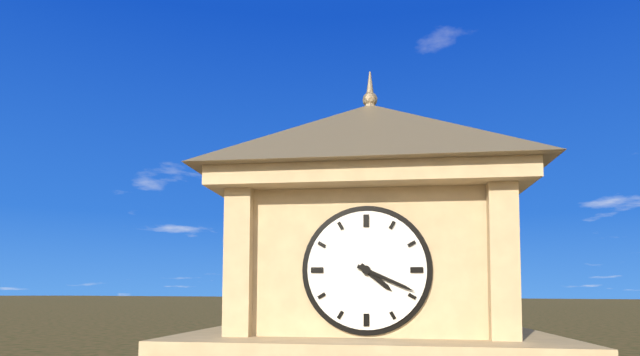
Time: {"hour": 4, "minute": 19}
